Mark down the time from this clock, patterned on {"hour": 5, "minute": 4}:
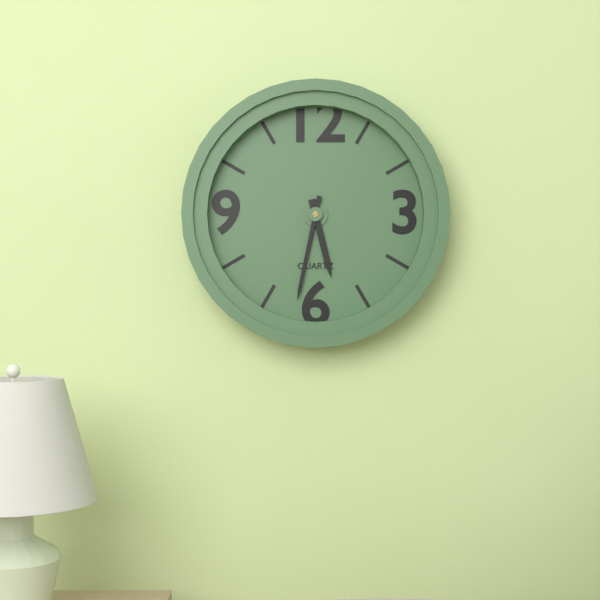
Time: {"hour": 5, "minute": 32}
